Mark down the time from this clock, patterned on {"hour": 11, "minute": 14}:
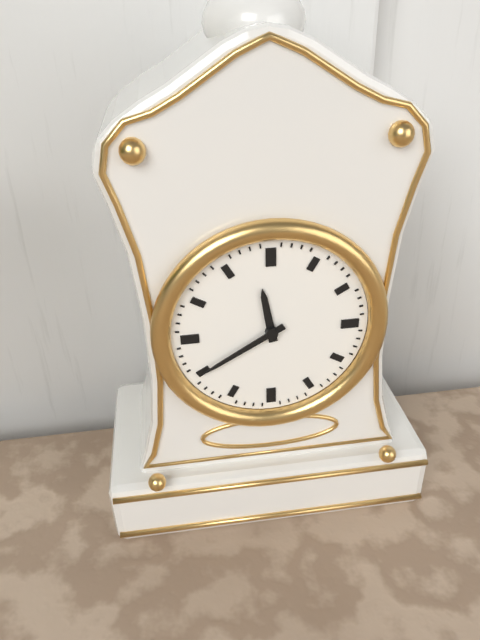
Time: {"hour": 11, "minute": 40}
